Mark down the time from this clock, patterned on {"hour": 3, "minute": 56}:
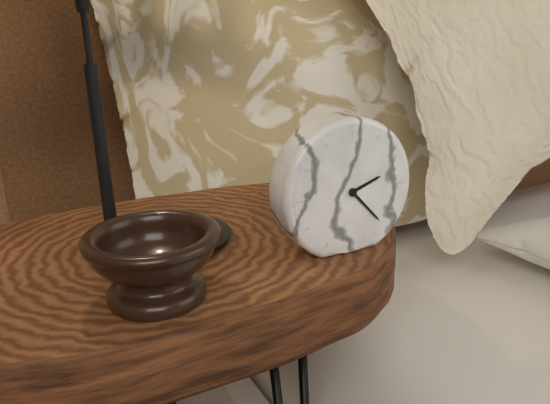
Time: {"hour": 2, "minute": 23}
